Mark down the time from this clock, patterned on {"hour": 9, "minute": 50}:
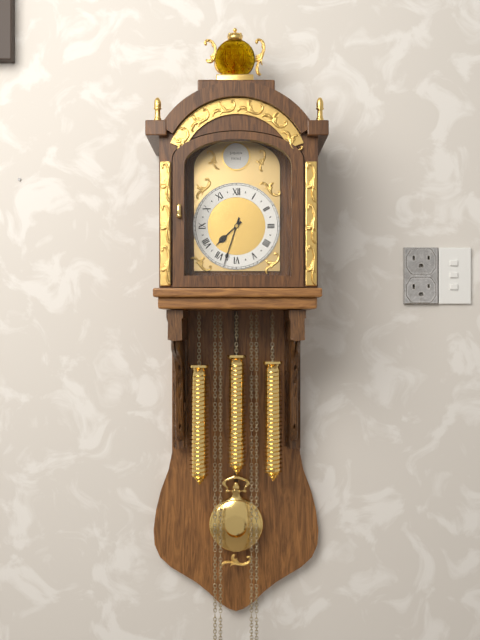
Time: {"hour": 7, "minute": 33}
